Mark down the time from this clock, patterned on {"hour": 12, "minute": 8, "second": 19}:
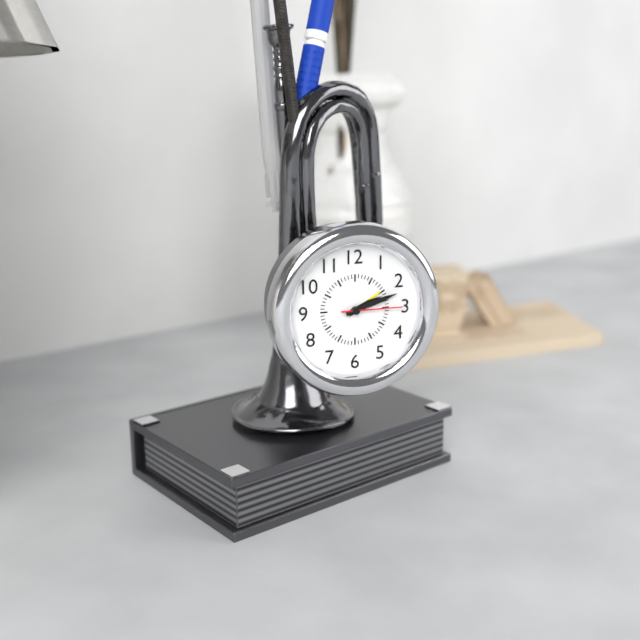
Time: {"hour": 2, "minute": 12, "second": 15}
